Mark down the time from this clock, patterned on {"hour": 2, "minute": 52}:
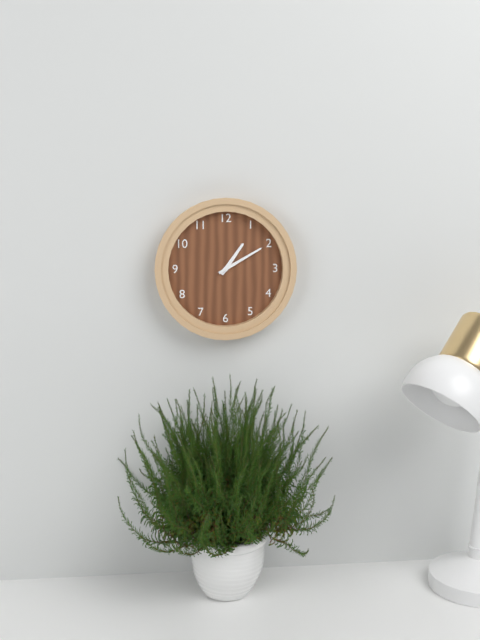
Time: {"hour": 1, "minute": 10}
